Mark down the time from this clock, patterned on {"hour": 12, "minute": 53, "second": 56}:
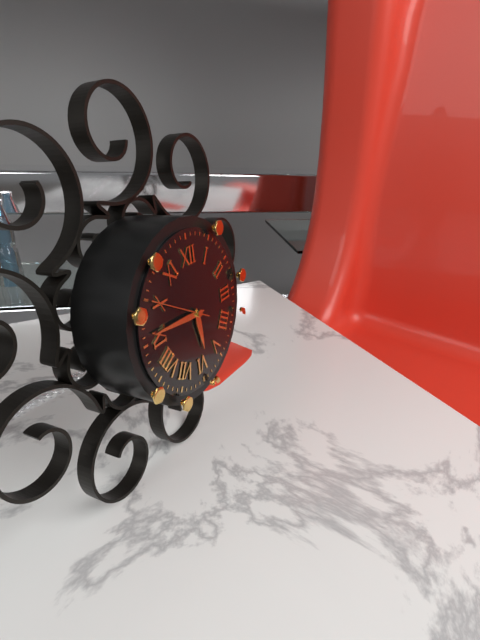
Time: {"hour": 5, "minute": 46, "second": 50}
